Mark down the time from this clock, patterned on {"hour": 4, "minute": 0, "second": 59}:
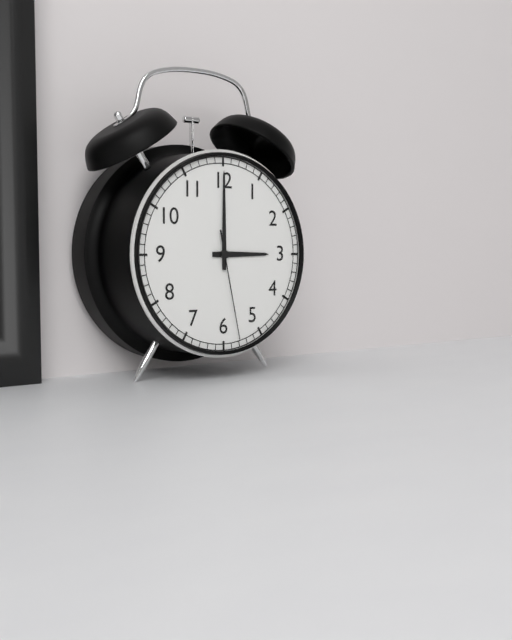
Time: {"hour": 3, "minute": 0, "second": 28}
